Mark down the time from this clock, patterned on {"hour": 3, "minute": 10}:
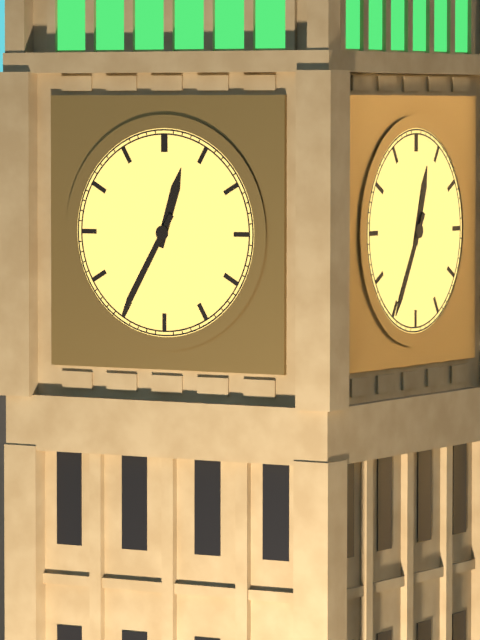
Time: {"hour": 12, "minute": 35}
